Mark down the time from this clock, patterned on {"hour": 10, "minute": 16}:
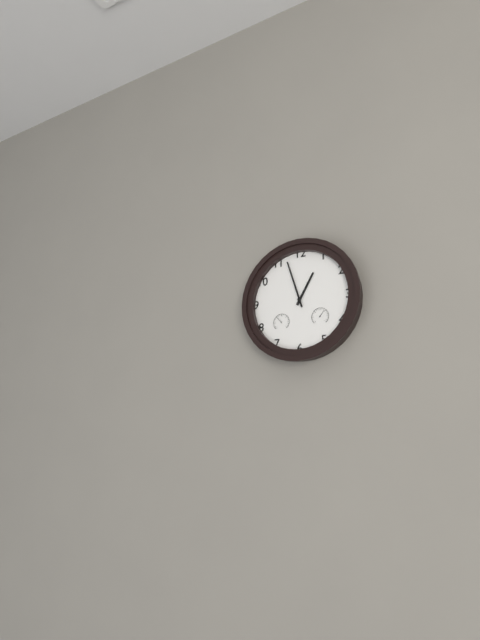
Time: {"hour": 12, "minute": 57}
